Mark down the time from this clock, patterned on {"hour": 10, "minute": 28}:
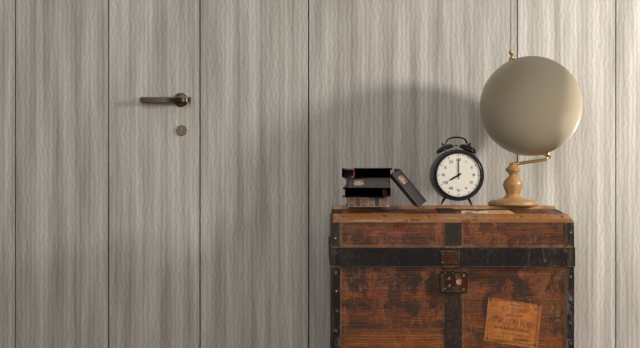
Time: {"hour": 8, "minute": 0}
